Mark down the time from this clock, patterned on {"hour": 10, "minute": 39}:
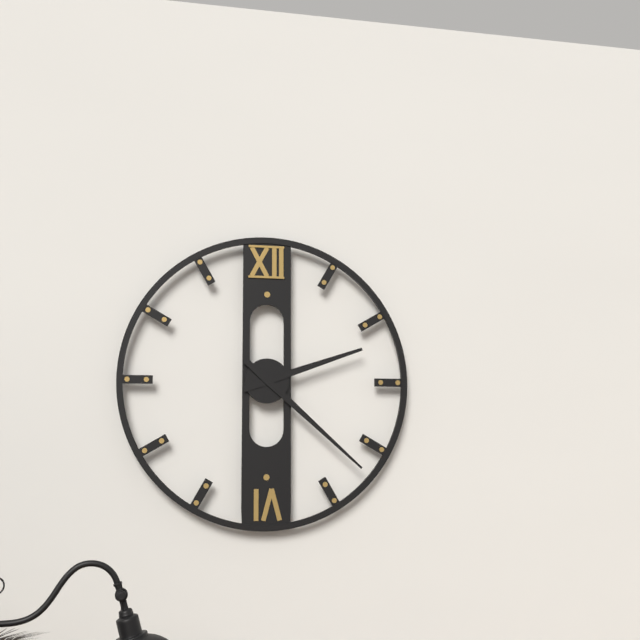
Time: {"hour": 2, "minute": 22}
